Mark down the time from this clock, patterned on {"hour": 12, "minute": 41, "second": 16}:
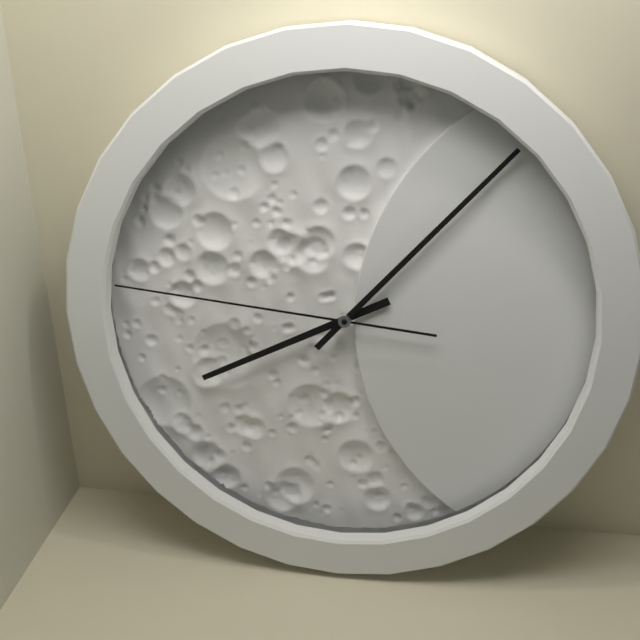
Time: {"hour": 8, "minute": 7, "second": 46}
